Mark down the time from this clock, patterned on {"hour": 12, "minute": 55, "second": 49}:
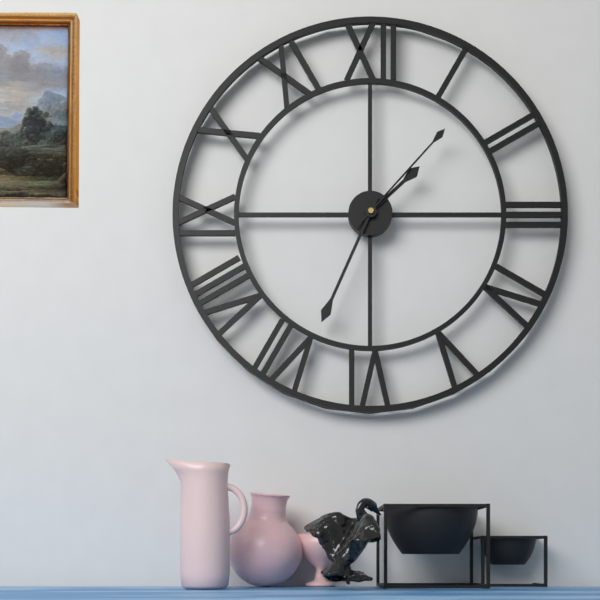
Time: {"hour": 1, "minute": 34, "second": 7}
